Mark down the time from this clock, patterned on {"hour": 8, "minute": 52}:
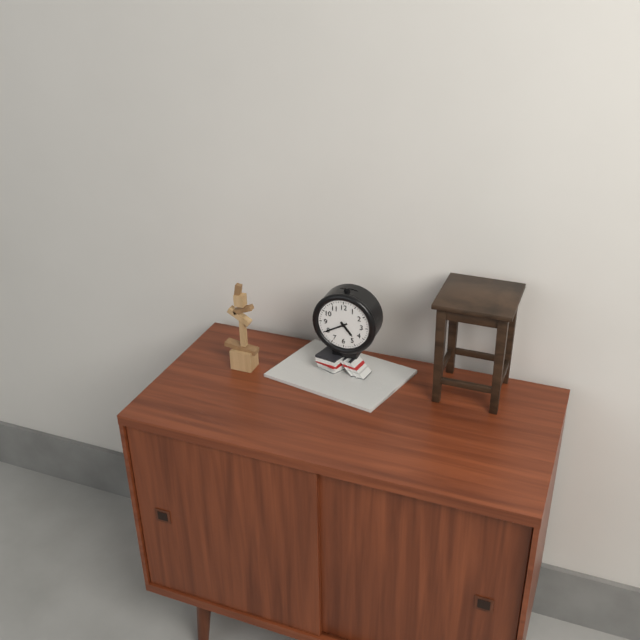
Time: {"hour": 4, "minute": 40}
